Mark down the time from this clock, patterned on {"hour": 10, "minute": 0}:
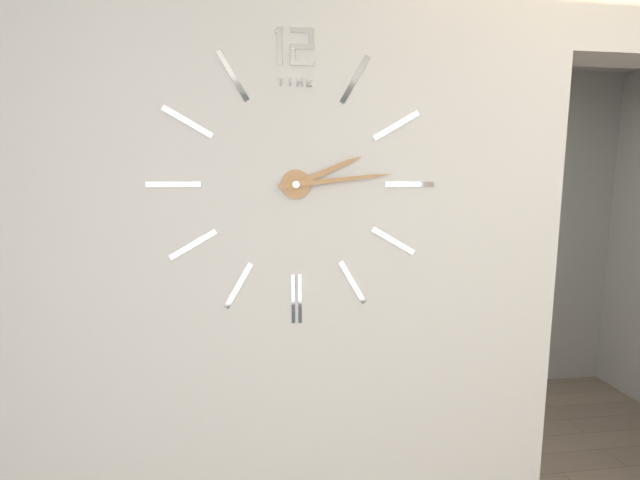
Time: {"hour": 2, "minute": 14}
